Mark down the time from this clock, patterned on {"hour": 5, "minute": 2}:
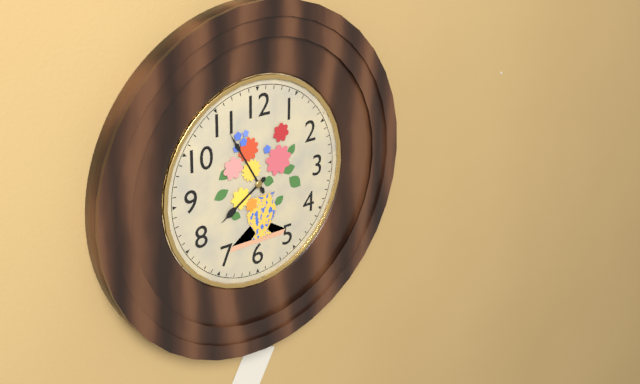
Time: {"hour": 7, "minute": 55}
